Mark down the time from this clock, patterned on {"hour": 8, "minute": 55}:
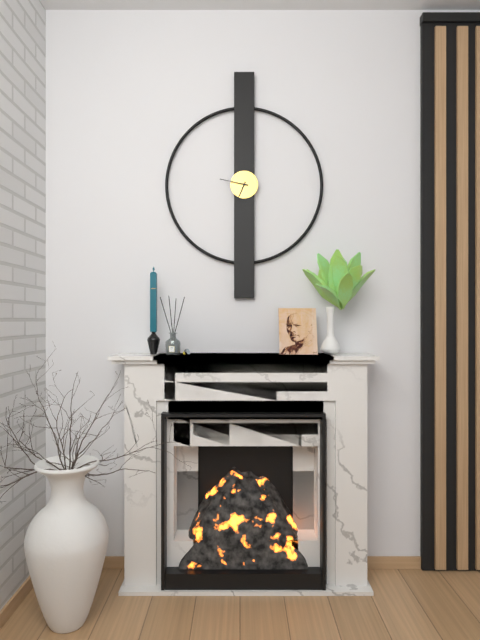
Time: {"hour": 6, "minute": 47}
